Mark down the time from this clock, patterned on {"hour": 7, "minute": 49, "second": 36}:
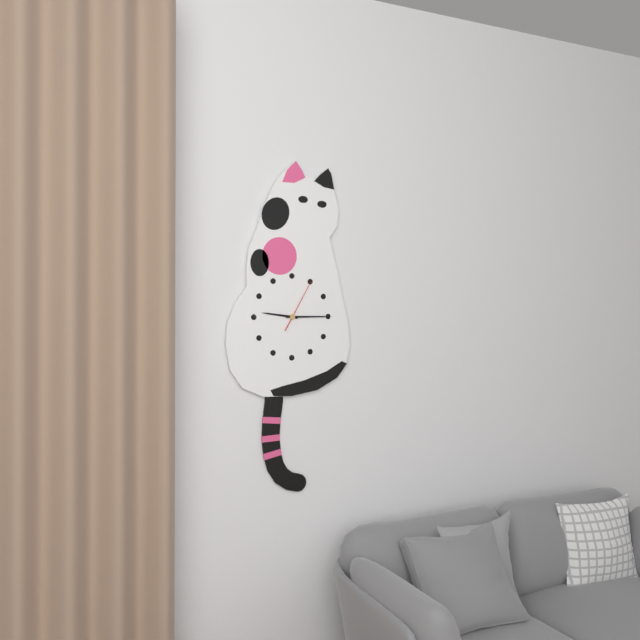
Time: {"hour": 9, "minute": 15, "second": 5}
